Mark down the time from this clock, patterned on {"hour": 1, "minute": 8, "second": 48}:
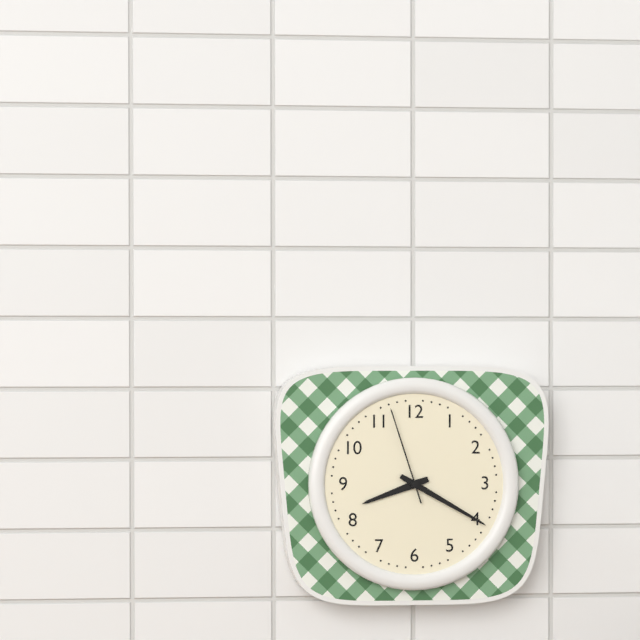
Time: {"hour": 8, "minute": 20, "second": 57}
